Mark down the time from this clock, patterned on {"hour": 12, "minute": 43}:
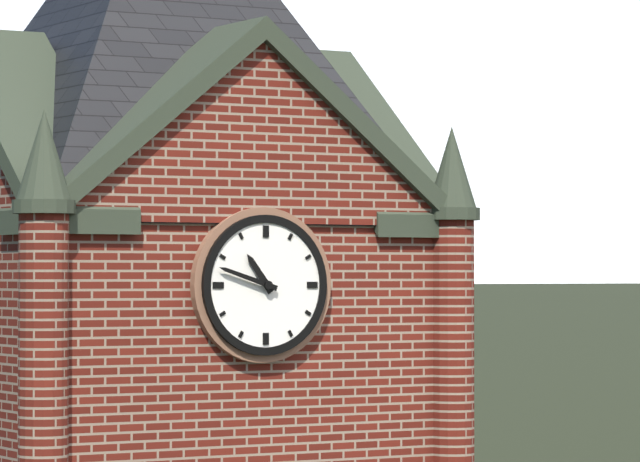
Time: {"hour": 10, "minute": 48}
